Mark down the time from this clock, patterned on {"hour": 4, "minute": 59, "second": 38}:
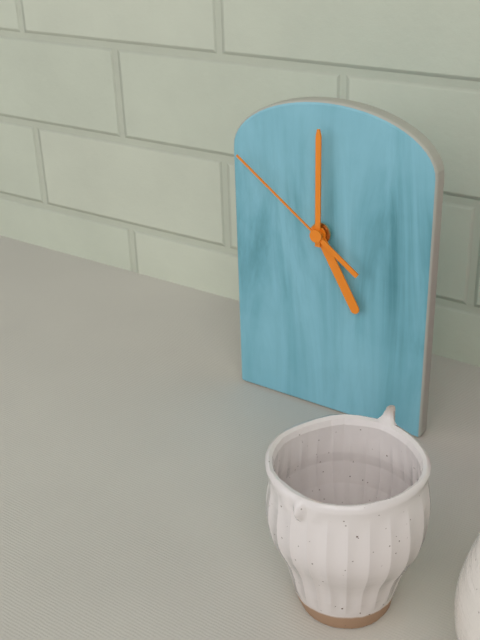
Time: {"hour": 5, "minute": 0, "second": 51}
